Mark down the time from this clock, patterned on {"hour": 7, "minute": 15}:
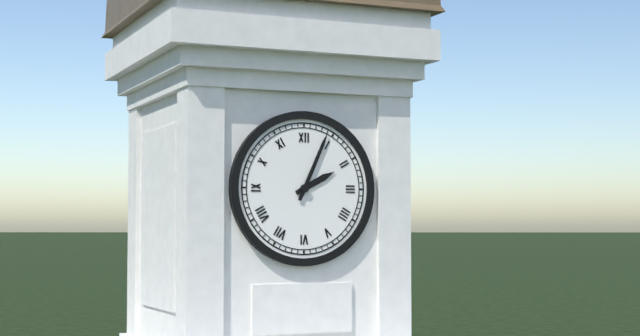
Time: {"hour": 2, "minute": 4}
